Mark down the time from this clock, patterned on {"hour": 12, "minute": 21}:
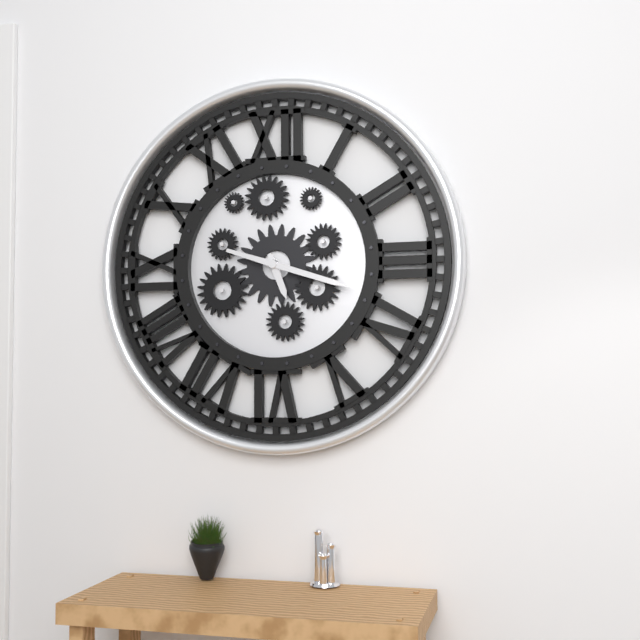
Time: {"hour": 5, "minute": 18}
